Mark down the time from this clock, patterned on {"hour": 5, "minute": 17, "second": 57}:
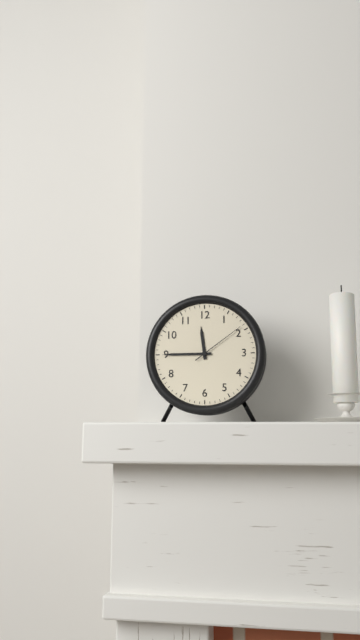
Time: {"hour": 11, "minute": 45, "second": 9}
